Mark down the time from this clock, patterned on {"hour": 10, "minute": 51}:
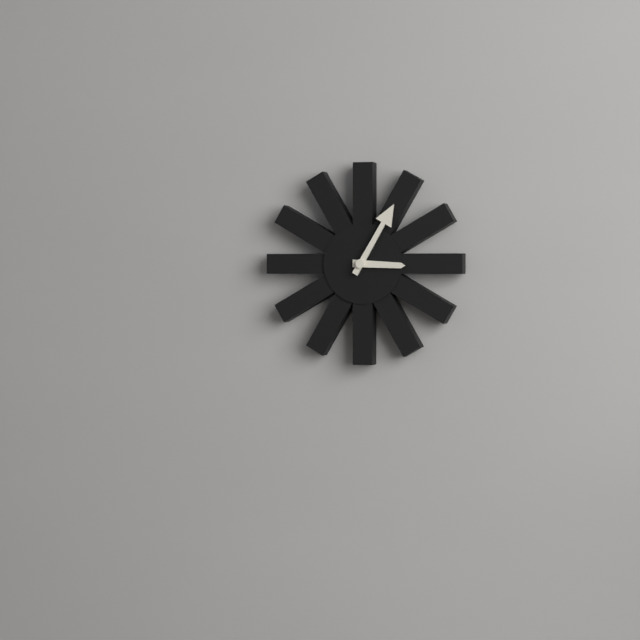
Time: {"hour": 3, "minute": 5}
